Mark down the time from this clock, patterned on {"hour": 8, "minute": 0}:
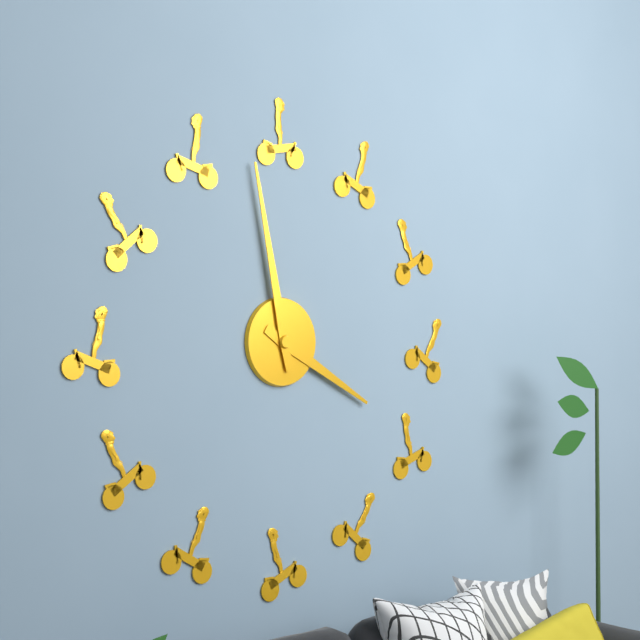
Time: {"hour": 3, "minute": 58}
